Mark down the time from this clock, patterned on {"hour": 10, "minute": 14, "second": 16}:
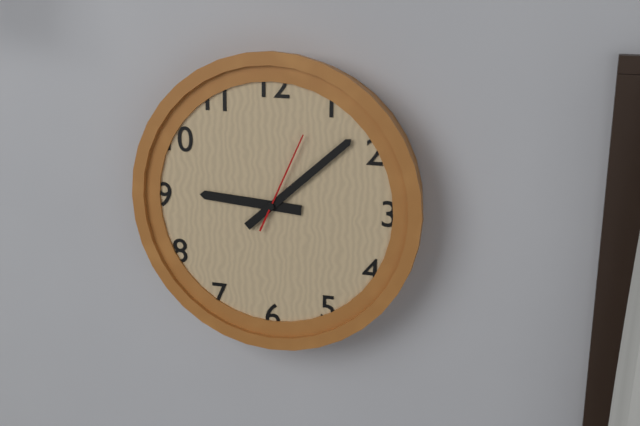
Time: {"hour": 9, "minute": 8, "second": 4}
